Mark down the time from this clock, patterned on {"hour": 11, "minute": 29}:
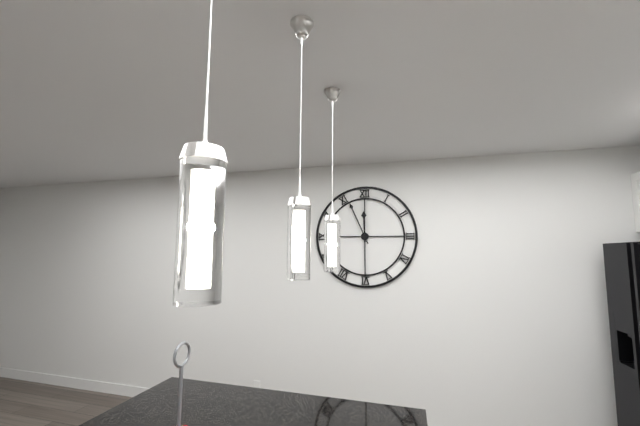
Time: {"hour": 11, "minute": 56}
